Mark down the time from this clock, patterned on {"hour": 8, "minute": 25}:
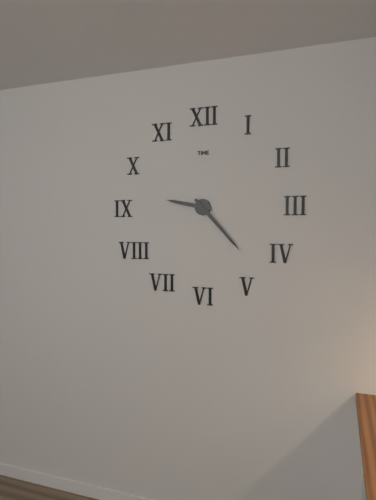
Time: {"hour": 9, "minute": 23}
